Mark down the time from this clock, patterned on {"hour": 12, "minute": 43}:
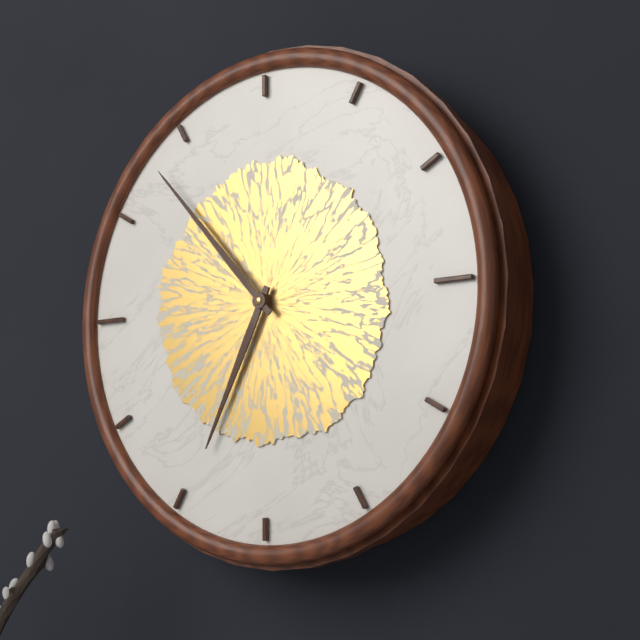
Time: {"hour": 6, "minute": 53}
